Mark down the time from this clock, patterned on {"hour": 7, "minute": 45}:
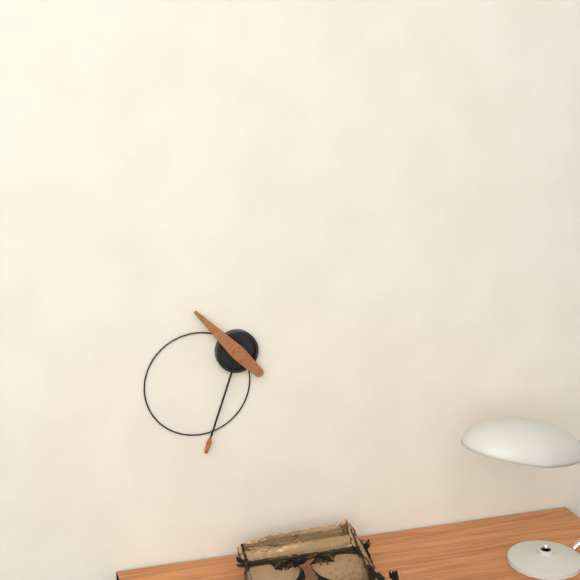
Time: {"hour": 10, "minute": 33}
